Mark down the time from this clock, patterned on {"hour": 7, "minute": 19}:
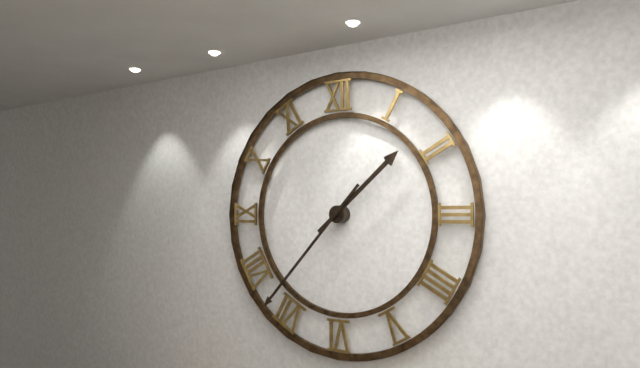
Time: {"hour": 1, "minute": 37}
